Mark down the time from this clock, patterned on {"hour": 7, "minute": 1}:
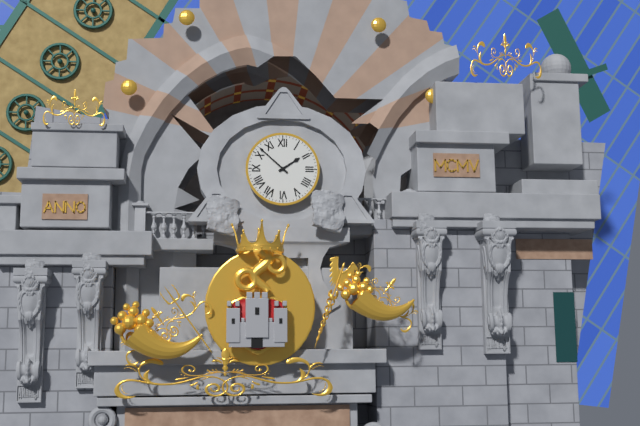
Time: {"hour": 1, "minute": 52}
